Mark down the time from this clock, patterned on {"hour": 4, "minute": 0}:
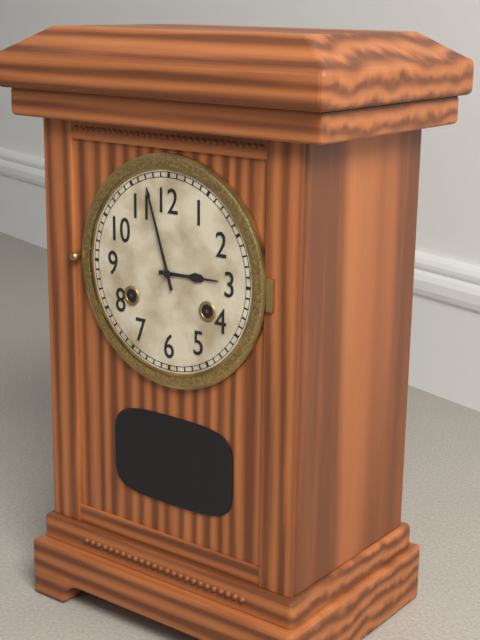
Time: {"hour": 2, "minute": 57}
